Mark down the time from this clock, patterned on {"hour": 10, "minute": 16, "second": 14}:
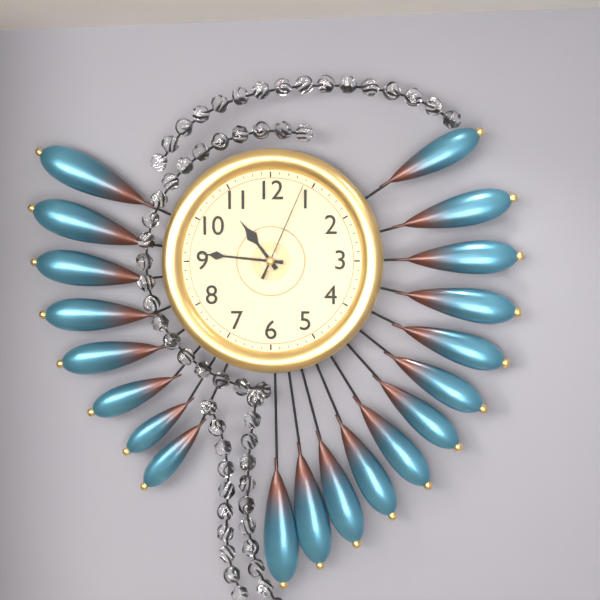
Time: {"hour": 10, "minute": 46, "second": 4}
